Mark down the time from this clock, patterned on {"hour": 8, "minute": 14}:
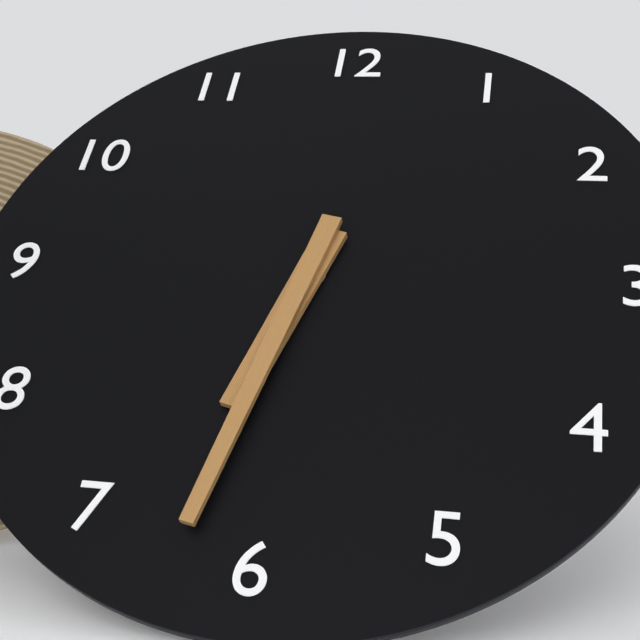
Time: {"hour": 6, "minute": 32}
